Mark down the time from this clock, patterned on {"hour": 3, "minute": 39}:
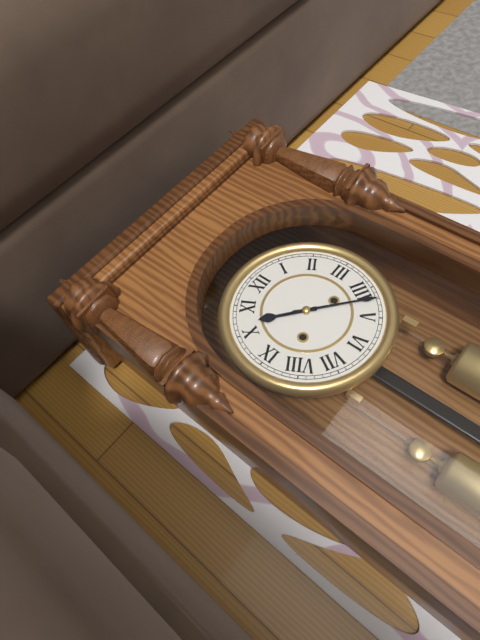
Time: {"hour": 10, "minute": 22}
